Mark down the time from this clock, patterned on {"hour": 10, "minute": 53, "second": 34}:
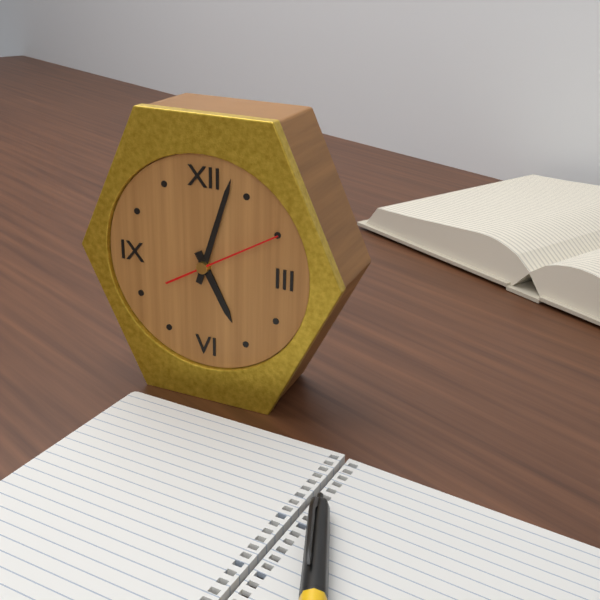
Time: {"hour": 5, "minute": 3, "second": 10}
